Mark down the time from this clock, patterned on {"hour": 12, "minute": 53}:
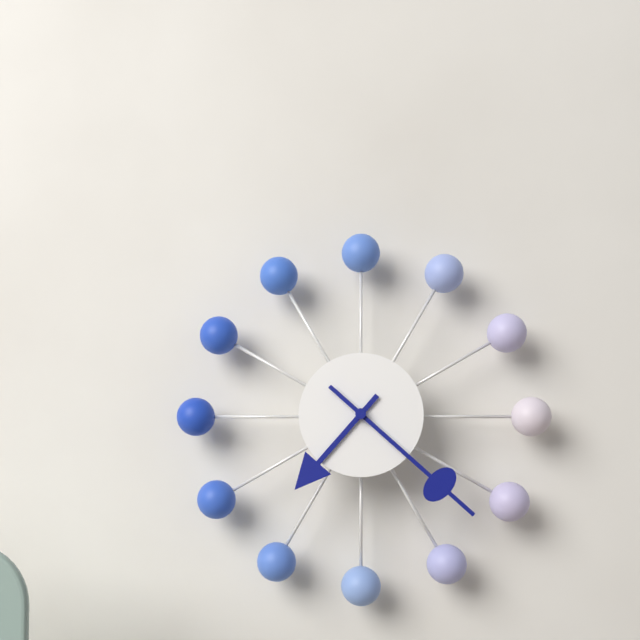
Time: {"hour": 7, "minute": 22}
